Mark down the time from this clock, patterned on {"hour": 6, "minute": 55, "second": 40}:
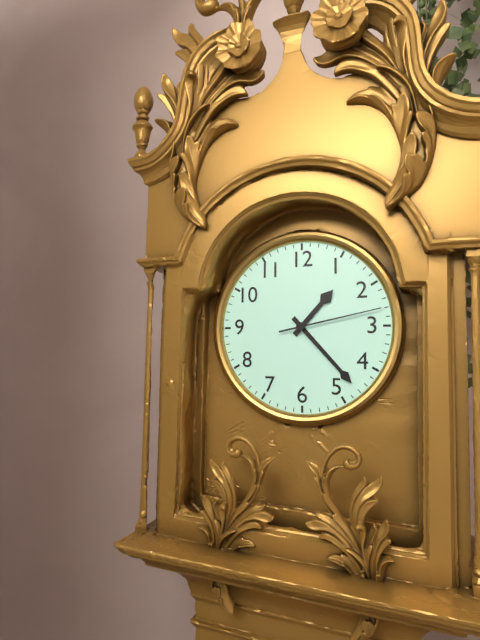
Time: {"hour": 1, "minute": 23, "second": 13}
